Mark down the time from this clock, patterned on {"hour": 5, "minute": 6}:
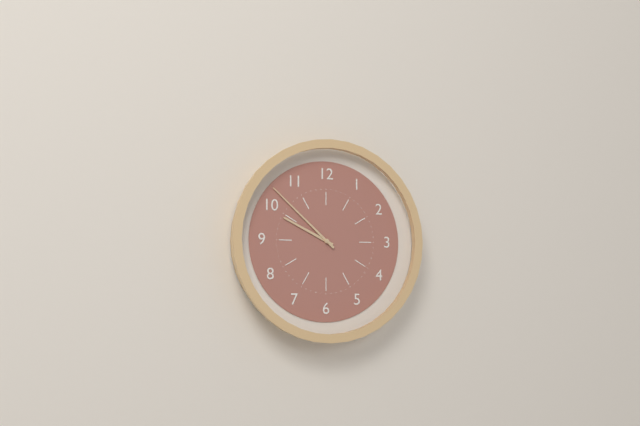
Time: {"hour": 9, "minute": 52}
